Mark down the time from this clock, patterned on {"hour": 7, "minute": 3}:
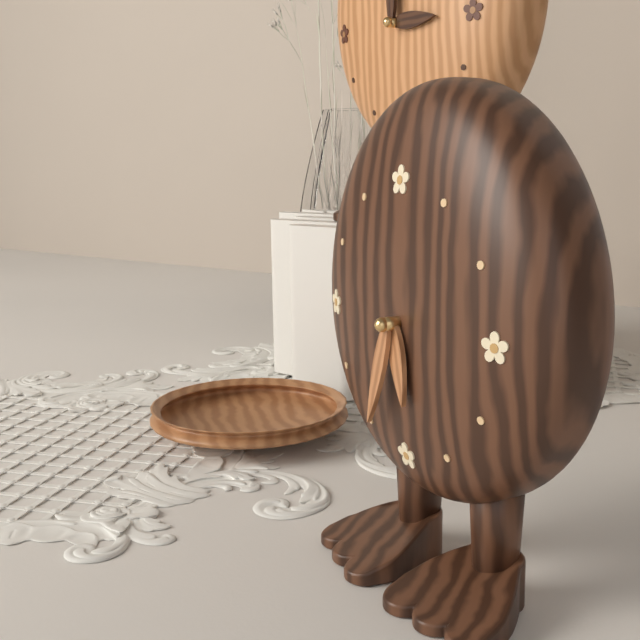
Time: {"hour": 5, "minute": 33}
